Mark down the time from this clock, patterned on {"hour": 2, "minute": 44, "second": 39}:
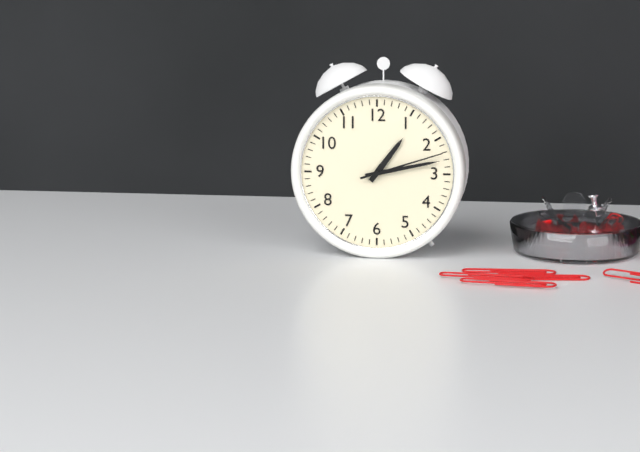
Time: {"hour": 1, "minute": 13, "second": 12}
